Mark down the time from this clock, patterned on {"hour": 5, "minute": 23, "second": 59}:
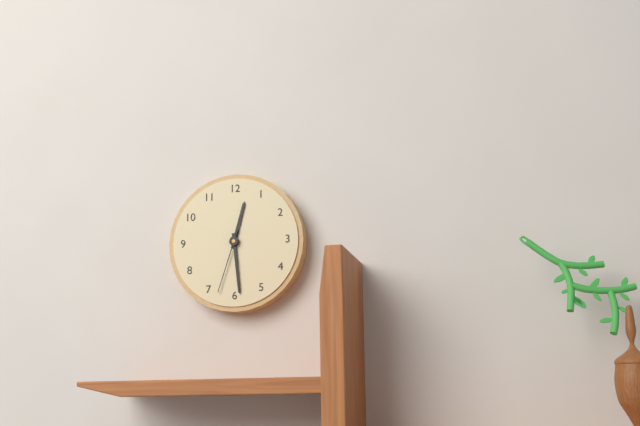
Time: {"hour": 12, "minute": 29, "second": 33}
